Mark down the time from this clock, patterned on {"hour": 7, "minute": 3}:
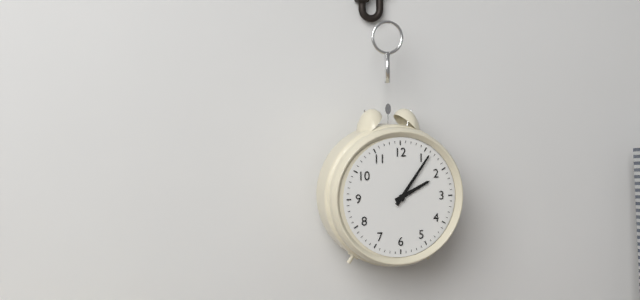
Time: {"hour": 2, "minute": 6}
